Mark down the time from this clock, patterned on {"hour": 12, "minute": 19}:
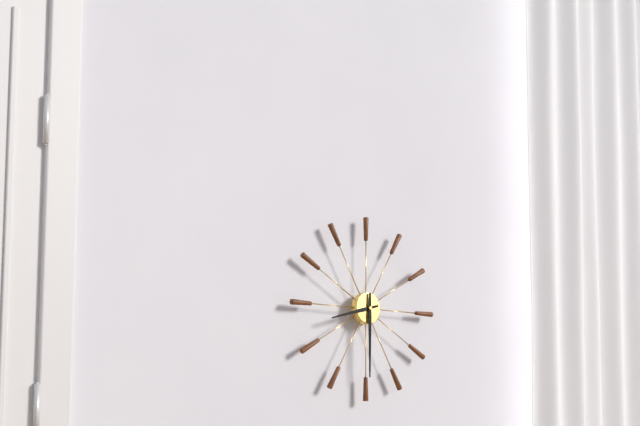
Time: {"hour": 8, "minute": 30}
